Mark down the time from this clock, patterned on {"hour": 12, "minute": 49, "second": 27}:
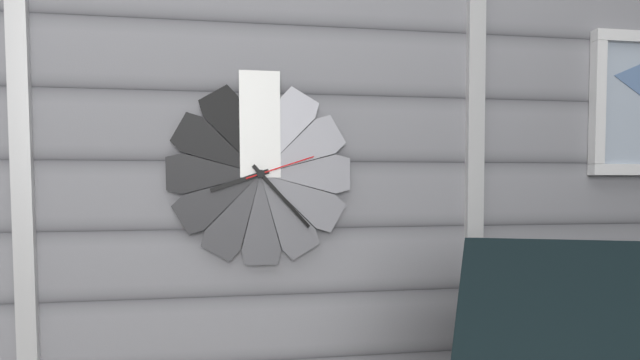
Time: {"hour": 8, "minute": 23, "second": 12}
